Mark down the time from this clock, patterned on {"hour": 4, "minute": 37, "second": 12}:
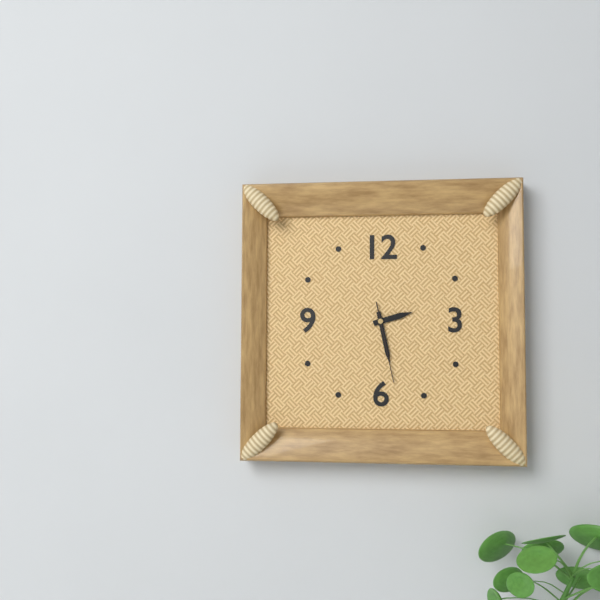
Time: {"hour": 2, "minute": 28, "second": 28}
